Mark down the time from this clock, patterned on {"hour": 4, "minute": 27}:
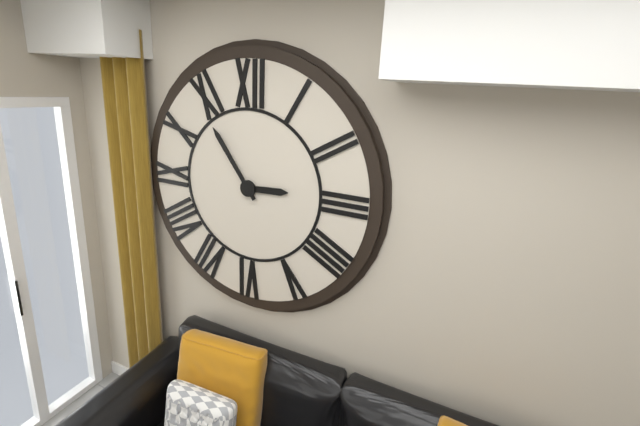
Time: {"hour": 2, "minute": 54}
